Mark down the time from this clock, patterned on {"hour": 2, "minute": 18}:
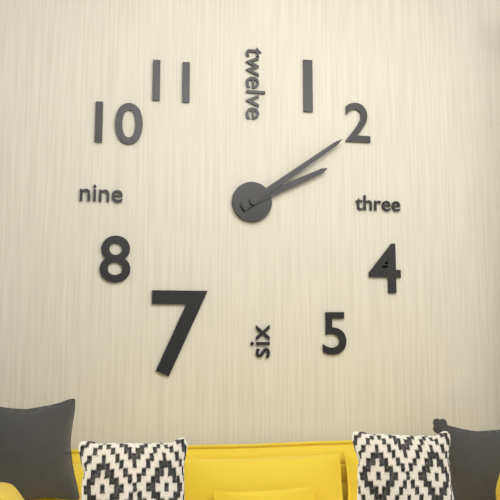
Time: {"hour": 2, "minute": 9}
